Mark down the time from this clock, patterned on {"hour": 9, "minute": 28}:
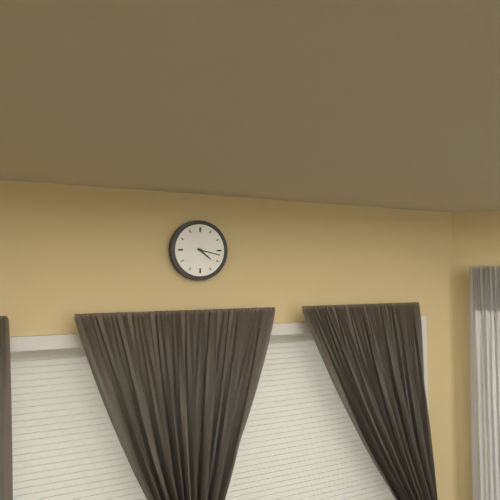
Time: {"hour": 4, "minute": 17}
